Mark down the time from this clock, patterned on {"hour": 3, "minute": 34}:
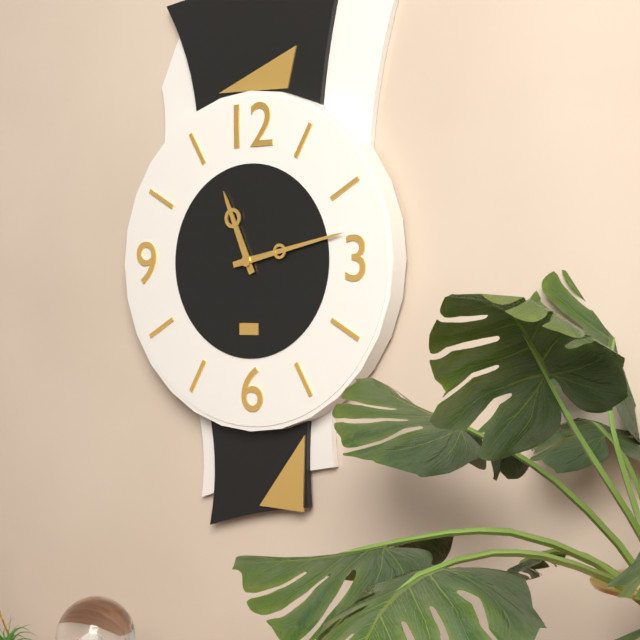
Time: {"hour": 11, "minute": 13}
